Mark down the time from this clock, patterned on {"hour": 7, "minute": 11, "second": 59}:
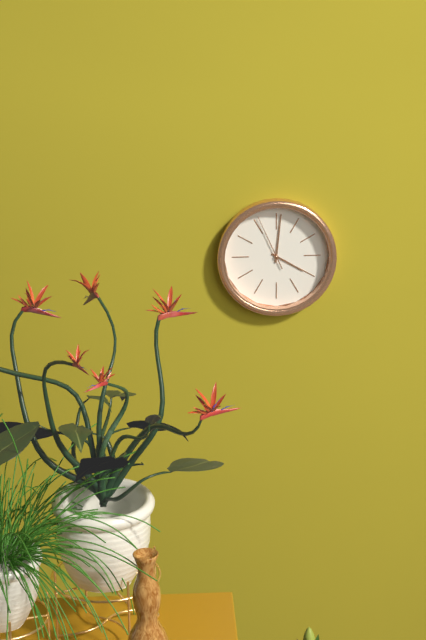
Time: {"hour": 4, "minute": 1, "second": 56}
